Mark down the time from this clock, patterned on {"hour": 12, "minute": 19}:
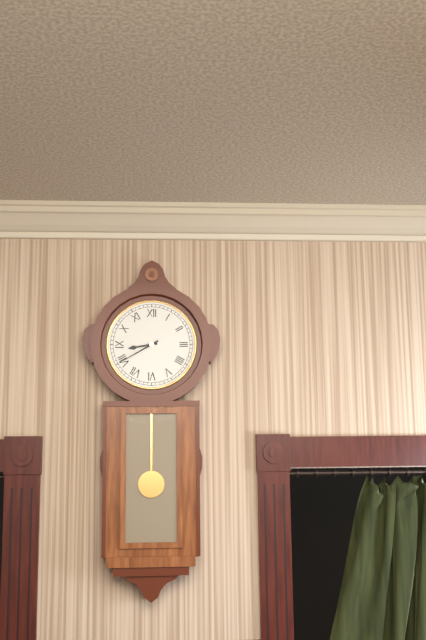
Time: {"hour": 8, "minute": 40}
